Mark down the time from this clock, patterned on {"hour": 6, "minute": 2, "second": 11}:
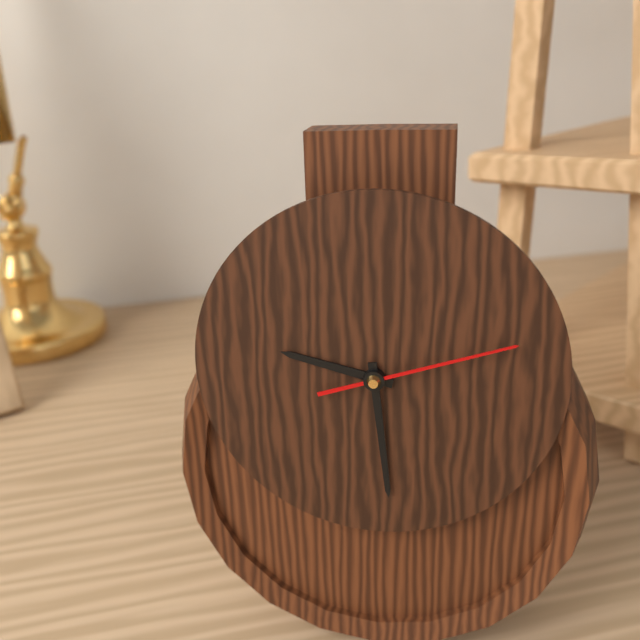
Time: {"hour": 9, "minute": 29, "second": 12}
